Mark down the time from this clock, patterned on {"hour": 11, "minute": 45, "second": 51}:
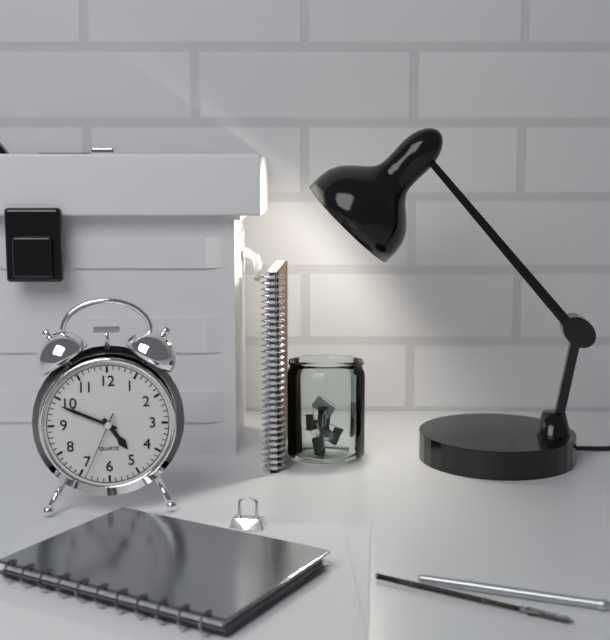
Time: {"hour": 4, "minute": 49, "second": 34}
